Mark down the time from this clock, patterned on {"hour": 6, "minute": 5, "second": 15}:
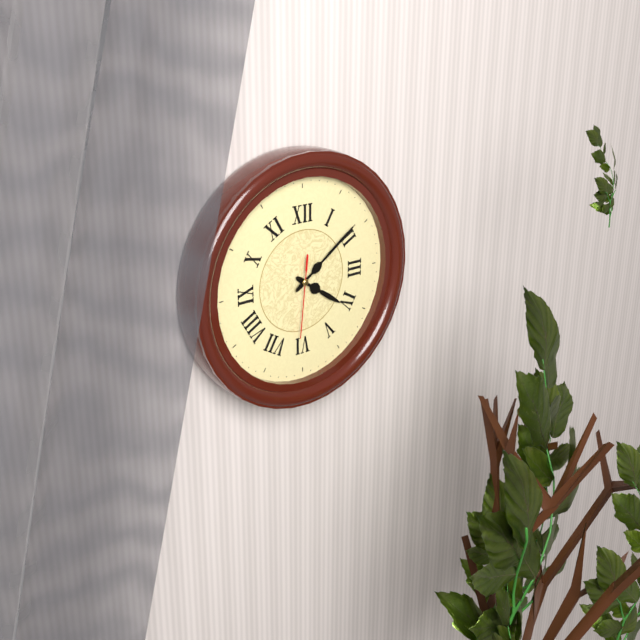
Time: {"hour": 4, "minute": 9, "second": 31}
